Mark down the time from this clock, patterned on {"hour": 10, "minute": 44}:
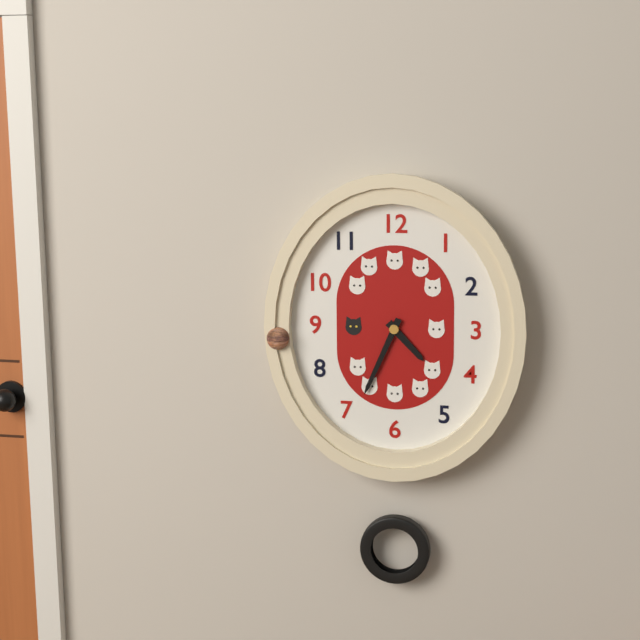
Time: {"hour": 4, "minute": 34}
